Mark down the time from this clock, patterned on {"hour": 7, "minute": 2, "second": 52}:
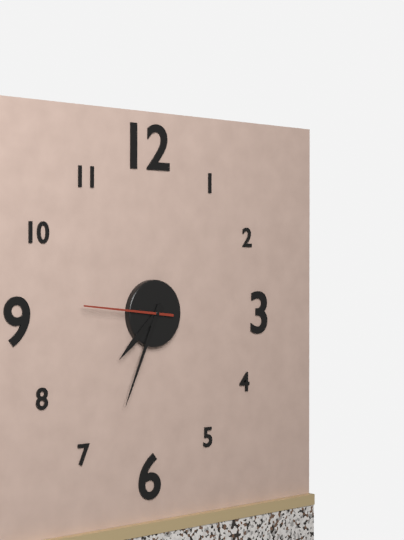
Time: {"hour": 7, "minute": 34, "second": 46}
